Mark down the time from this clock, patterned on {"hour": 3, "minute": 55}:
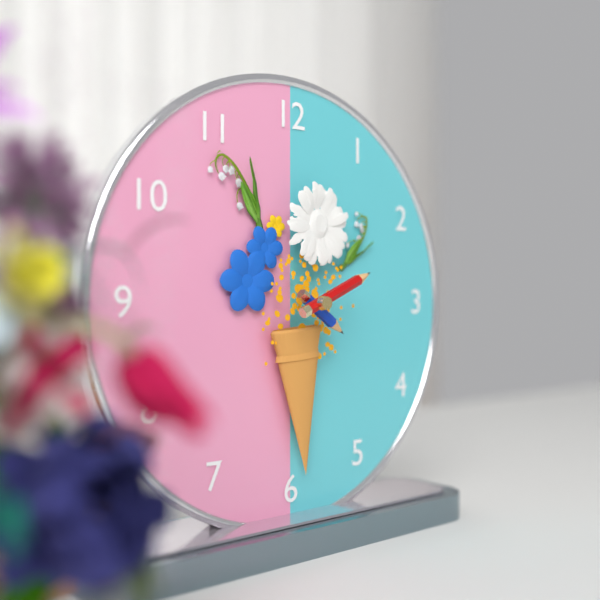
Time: {"hour": 4, "minute": 11}
